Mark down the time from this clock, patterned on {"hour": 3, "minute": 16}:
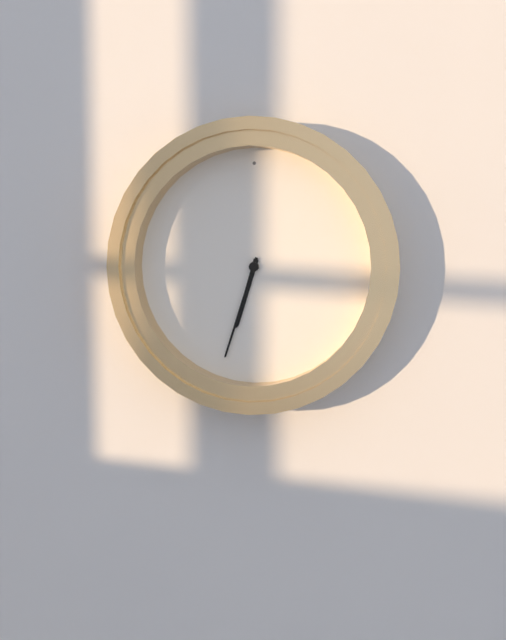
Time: {"hour": 6, "minute": 33}
